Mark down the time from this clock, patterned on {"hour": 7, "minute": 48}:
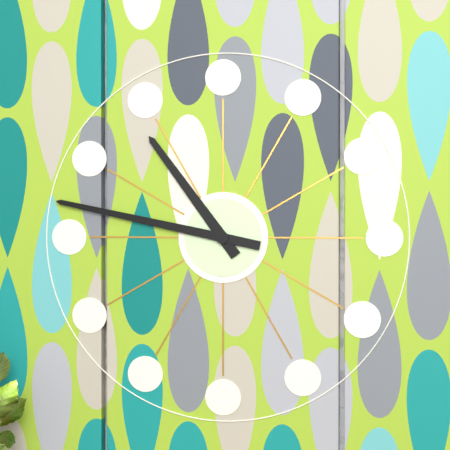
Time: {"hour": 10, "minute": 47}
